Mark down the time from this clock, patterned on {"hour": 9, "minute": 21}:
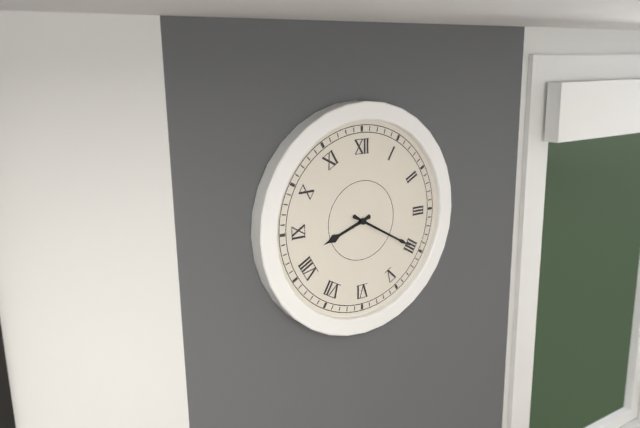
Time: {"hour": 8, "minute": 20}
